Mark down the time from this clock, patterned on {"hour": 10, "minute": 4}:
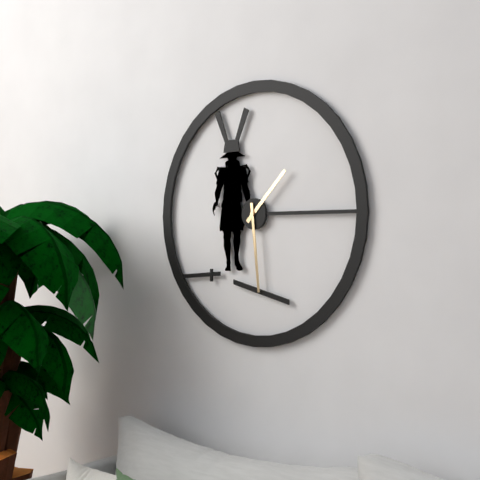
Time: {"hour": 1, "minute": 29}
